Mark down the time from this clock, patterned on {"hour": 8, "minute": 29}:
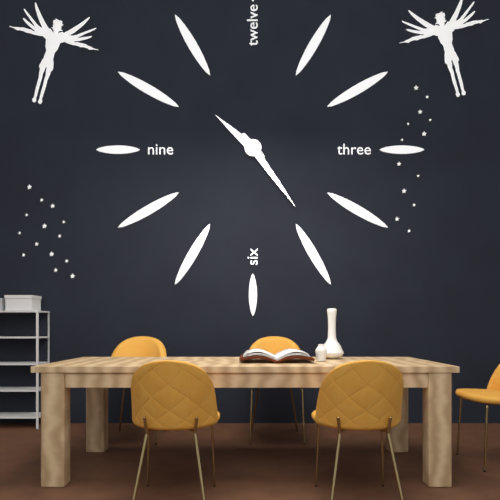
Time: {"hour": 10, "minute": 24}
